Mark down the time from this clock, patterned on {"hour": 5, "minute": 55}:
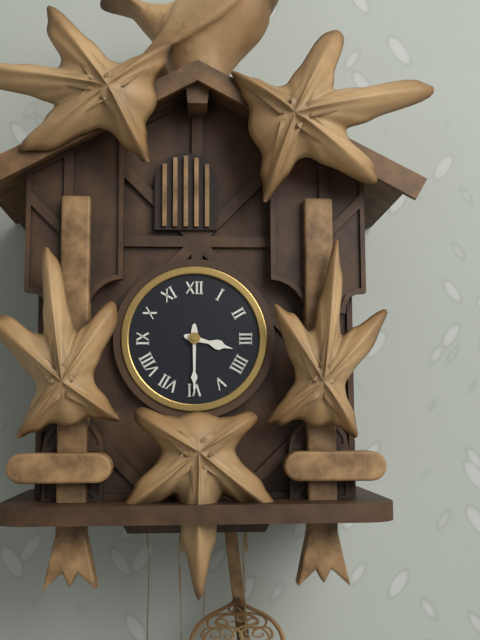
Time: {"hour": 3, "minute": 30}
